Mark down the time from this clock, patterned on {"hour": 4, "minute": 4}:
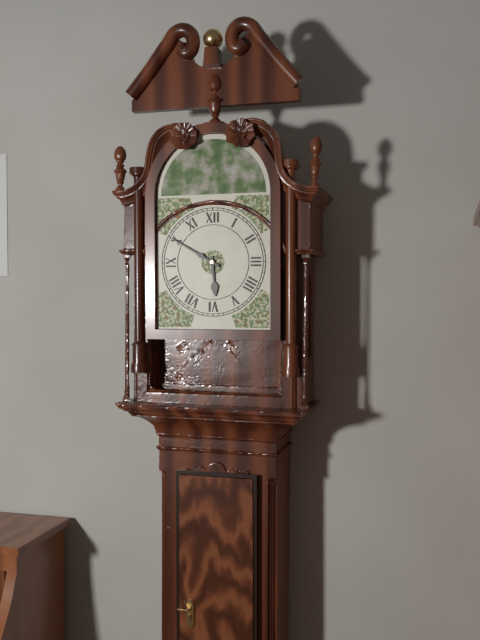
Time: {"hour": 5, "minute": 50}
